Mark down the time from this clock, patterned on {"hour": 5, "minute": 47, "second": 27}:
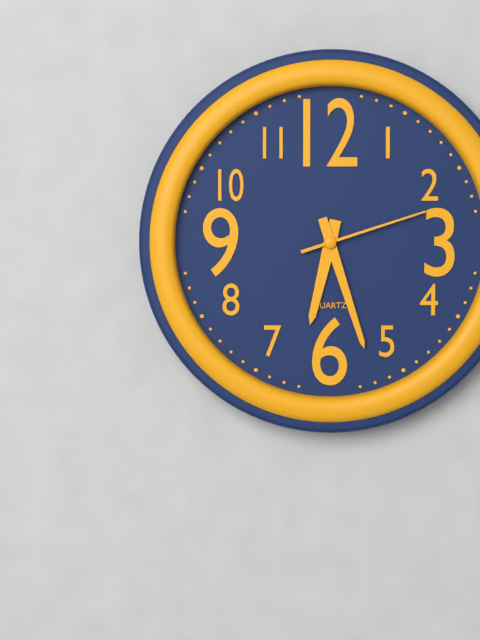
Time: {"hour": 6, "minute": 27, "second": 12}
